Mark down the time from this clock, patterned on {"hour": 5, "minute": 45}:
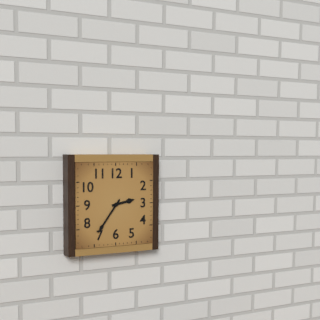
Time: {"hour": 2, "minute": 36}
